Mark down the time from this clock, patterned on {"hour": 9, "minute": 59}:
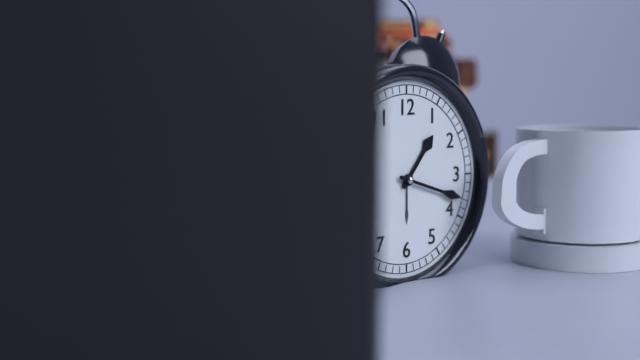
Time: {"hour": 1, "minute": 18}
